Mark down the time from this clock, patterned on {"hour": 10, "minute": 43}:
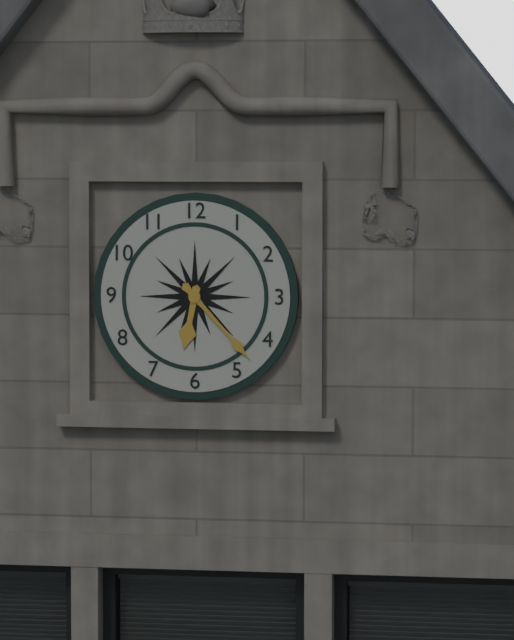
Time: {"hour": 6, "minute": 23}
